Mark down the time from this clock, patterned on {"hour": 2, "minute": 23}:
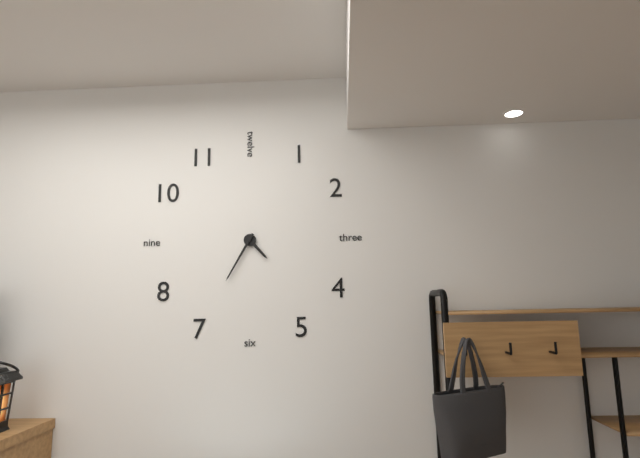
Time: {"hour": 4, "minute": 35}
